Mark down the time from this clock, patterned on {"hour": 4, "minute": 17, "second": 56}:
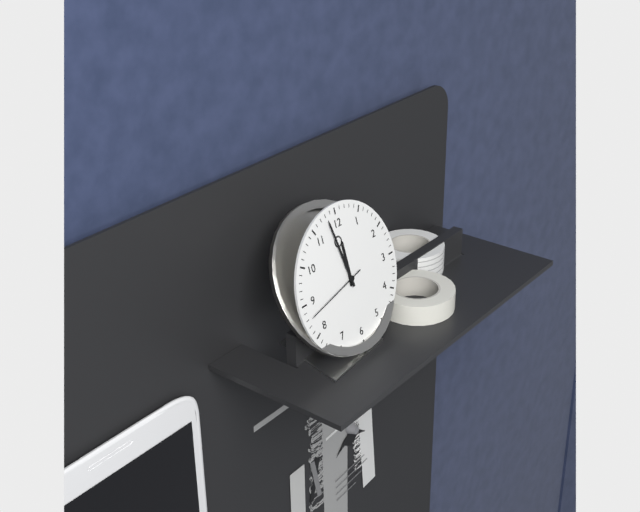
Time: {"hour": 11, "minute": 58, "second": 43}
